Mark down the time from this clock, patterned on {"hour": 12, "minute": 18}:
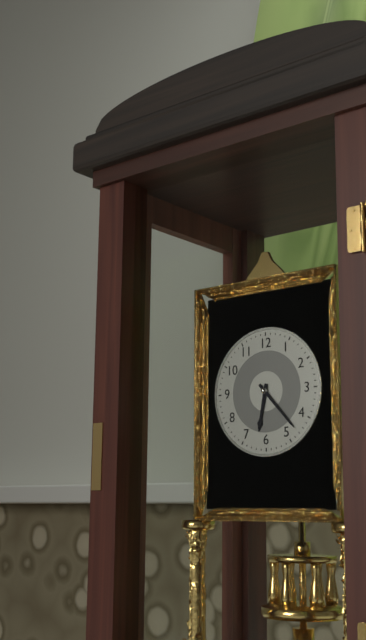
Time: {"hour": 6, "minute": 23}
